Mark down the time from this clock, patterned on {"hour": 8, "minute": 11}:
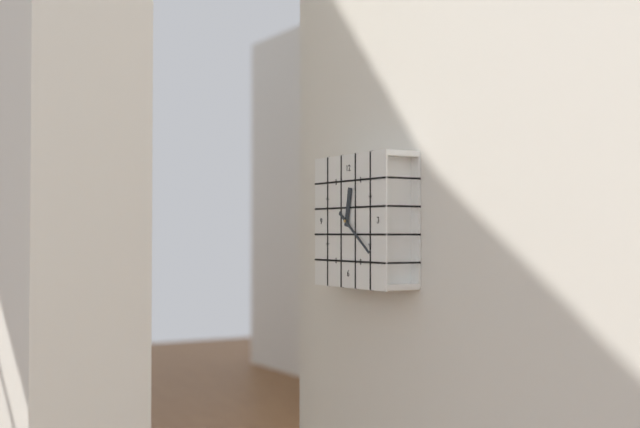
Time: {"hour": 12, "minute": 21}
